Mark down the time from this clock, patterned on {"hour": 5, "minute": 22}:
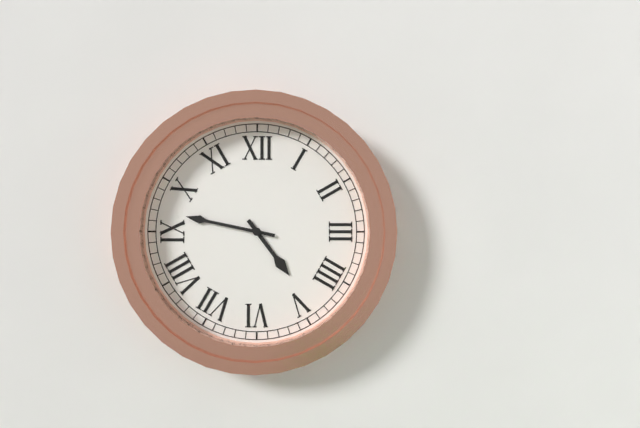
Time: {"hour": 4, "minute": 47}
